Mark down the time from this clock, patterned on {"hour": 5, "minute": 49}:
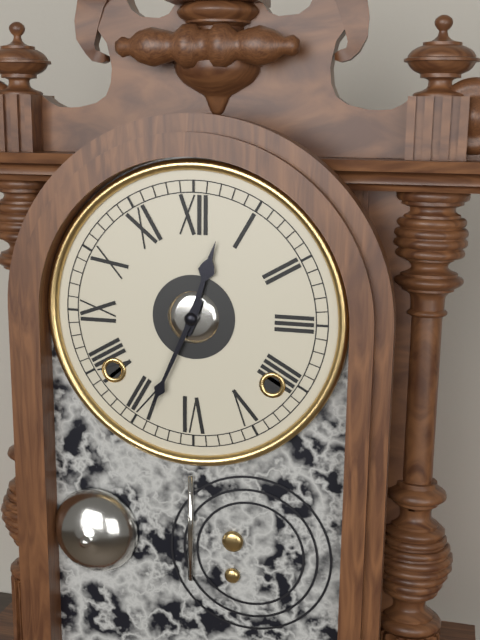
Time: {"hour": 12, "minute": 34}
